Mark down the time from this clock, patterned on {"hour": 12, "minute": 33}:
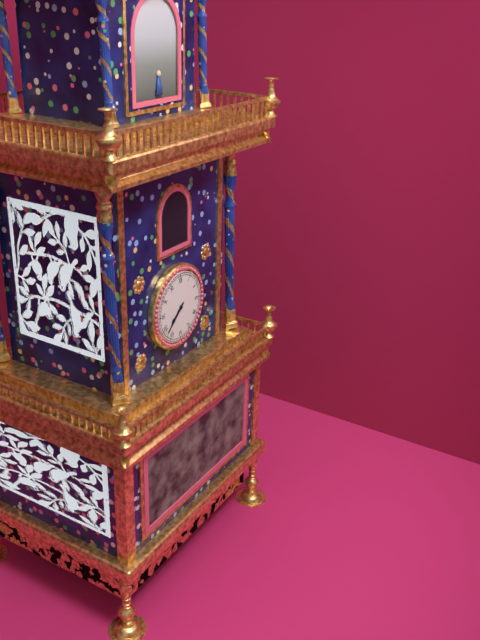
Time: {"hour": 7, "minute": 38}
